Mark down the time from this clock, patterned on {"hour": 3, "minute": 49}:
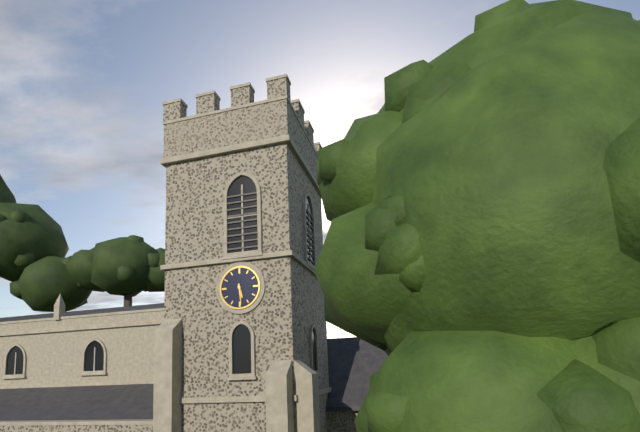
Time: {"hour": 5, "minute": 29}
